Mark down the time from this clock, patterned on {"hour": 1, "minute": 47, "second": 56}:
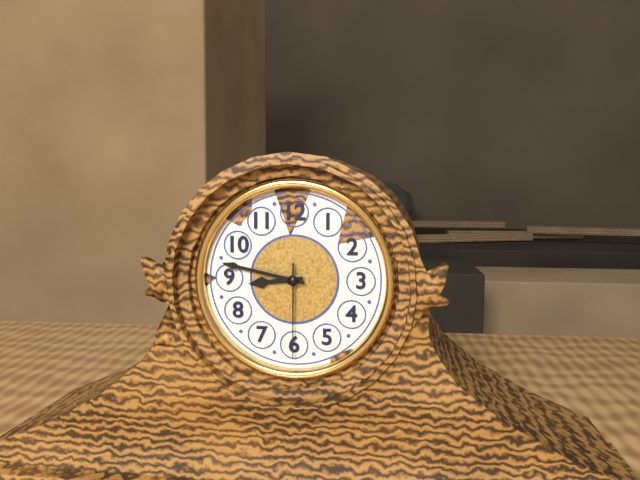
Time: {"hour": 8, "minute": 47, "second": 30}
